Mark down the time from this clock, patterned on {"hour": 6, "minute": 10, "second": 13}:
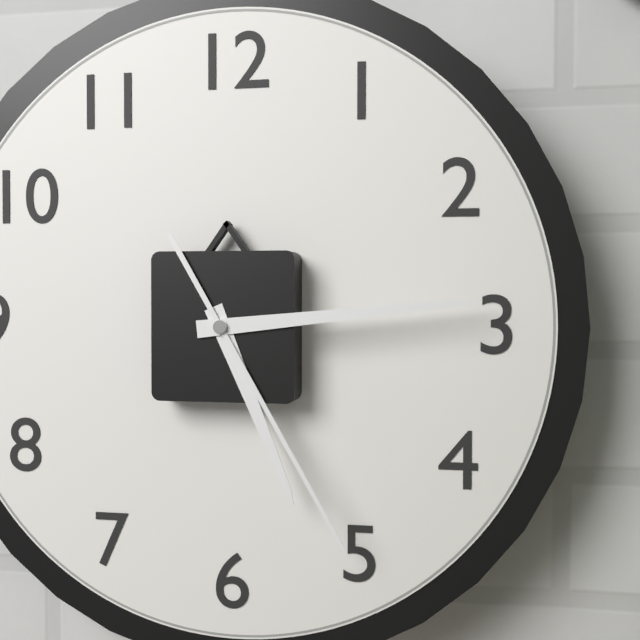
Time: {"hour": 5, "minute": 14, "second": 25}
